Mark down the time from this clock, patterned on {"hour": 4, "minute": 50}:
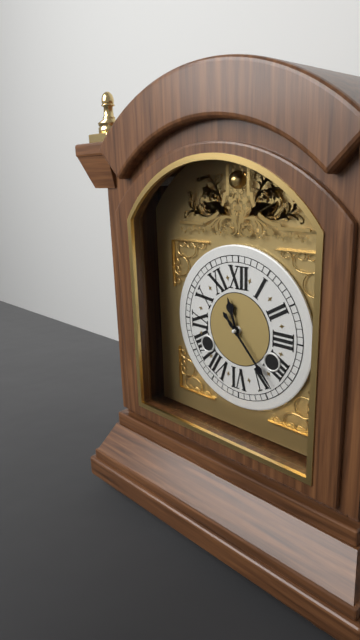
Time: {"hour": 11, "minute": 23}
